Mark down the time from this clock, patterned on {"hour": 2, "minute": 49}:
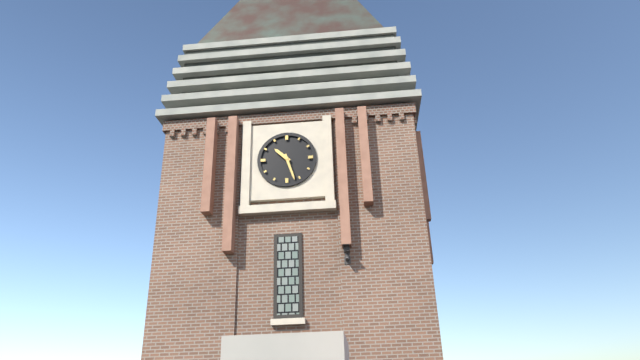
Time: {"hour": 10, "minute": 27}
